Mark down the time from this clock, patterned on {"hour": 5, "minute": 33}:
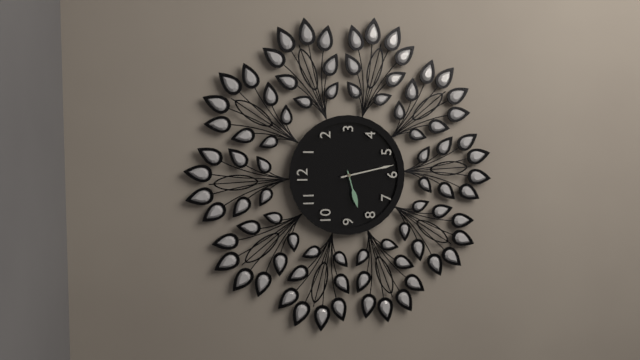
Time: {"hour": 8, "minute": 28}
